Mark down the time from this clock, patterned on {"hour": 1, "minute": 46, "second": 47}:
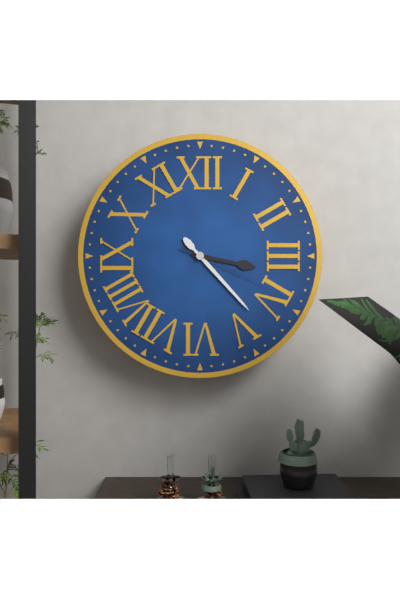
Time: {"hour": 3, "minute": 23, "second": 19}
